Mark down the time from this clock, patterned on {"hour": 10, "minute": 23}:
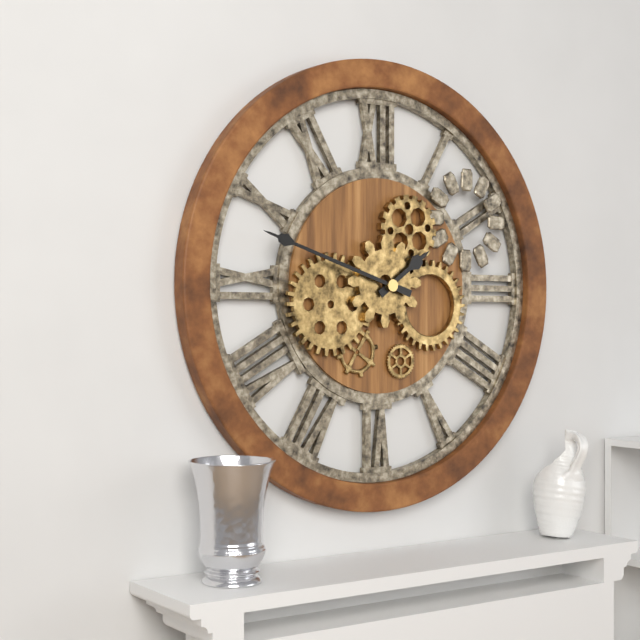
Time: {"hour": 1, "minute": 48}
